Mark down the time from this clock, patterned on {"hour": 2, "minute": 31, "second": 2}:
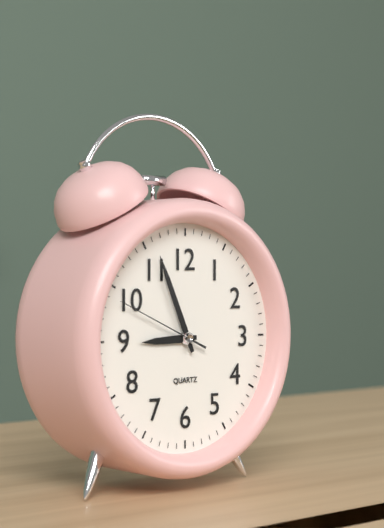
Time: {"hour": 8, "minute": 56, "second": 49}
